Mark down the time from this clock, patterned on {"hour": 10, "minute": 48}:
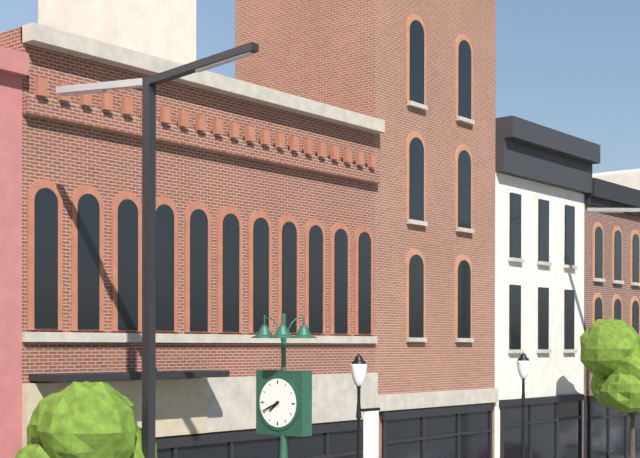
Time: {"hour": 7, "minute": 41}
